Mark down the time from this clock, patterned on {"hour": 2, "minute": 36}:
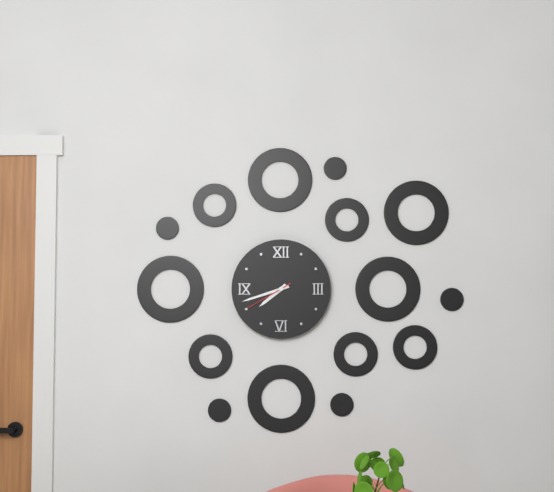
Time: {"hour": 7, "minute": 42}
